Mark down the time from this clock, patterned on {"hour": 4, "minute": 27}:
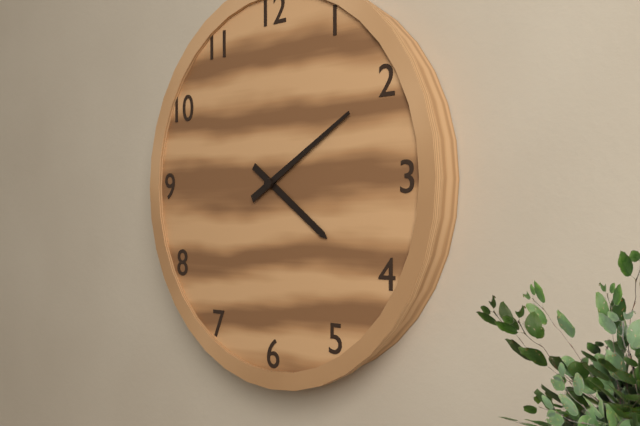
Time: {"hour": 4, "minute": 10}
